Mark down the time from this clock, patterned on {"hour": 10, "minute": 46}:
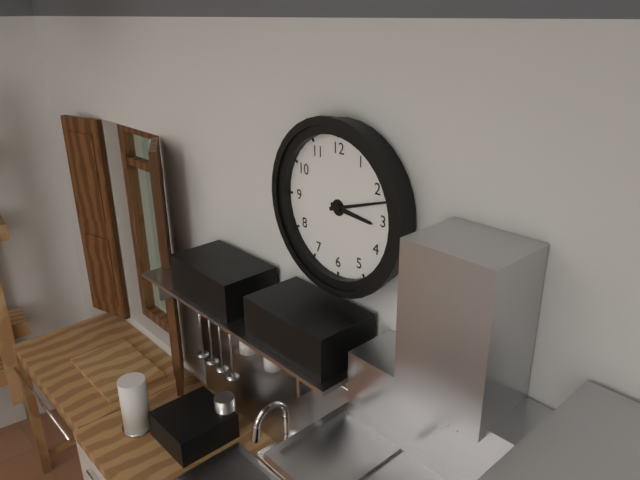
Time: {"hour": 3, "minute": 12}
